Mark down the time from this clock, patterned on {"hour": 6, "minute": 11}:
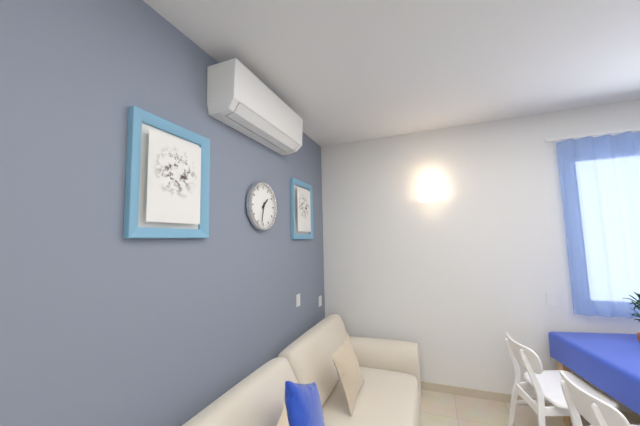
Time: {"hour": 1, "minute": 32}
